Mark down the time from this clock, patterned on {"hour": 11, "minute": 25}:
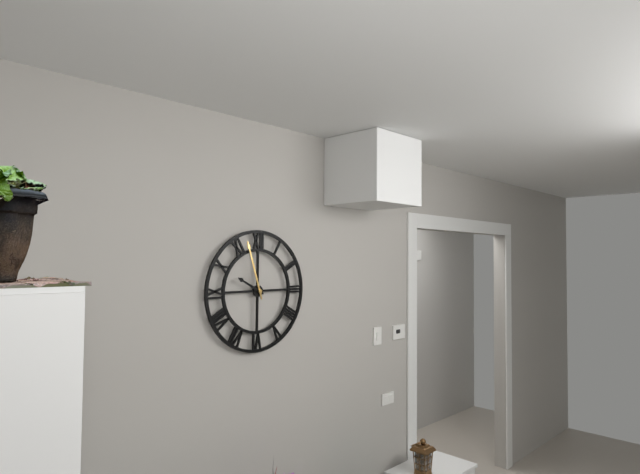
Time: {"hour": 9, "minute": 57}
